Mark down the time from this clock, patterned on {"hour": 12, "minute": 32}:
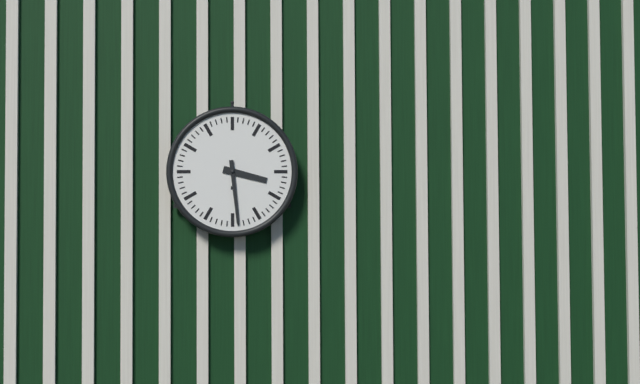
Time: {"hour": 3, "minute": 29}
